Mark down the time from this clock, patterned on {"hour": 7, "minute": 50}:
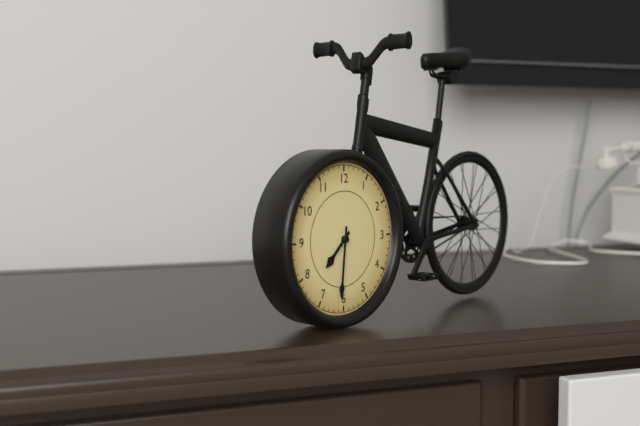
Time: {"hour": 7, "minute": 31}
